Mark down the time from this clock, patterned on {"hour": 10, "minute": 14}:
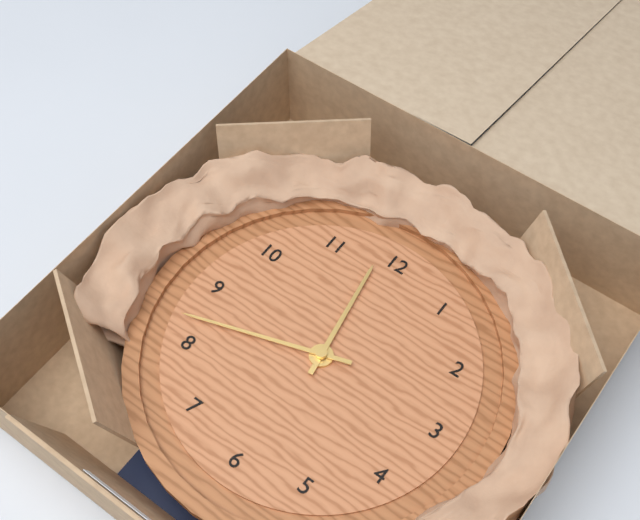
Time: {"hour": 11, "minute": 42}
